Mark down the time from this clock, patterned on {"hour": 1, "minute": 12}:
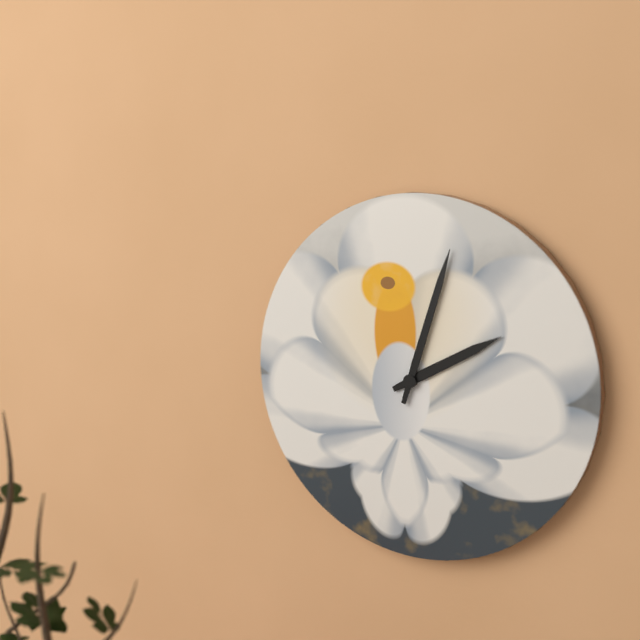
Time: {"hour": 2, "minute": 3}
